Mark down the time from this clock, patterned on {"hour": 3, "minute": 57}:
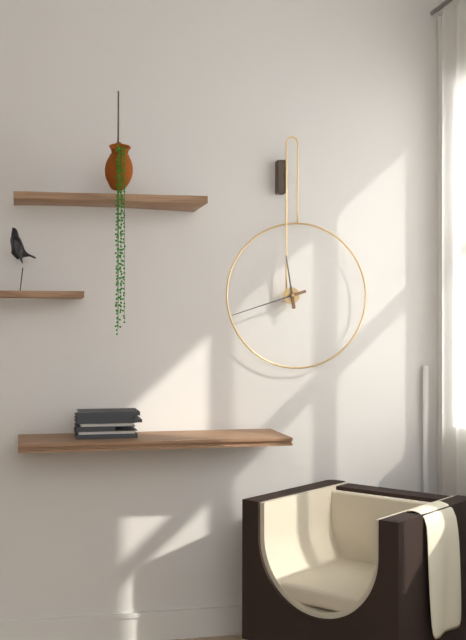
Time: {"hour": 11, "minute": 42}
